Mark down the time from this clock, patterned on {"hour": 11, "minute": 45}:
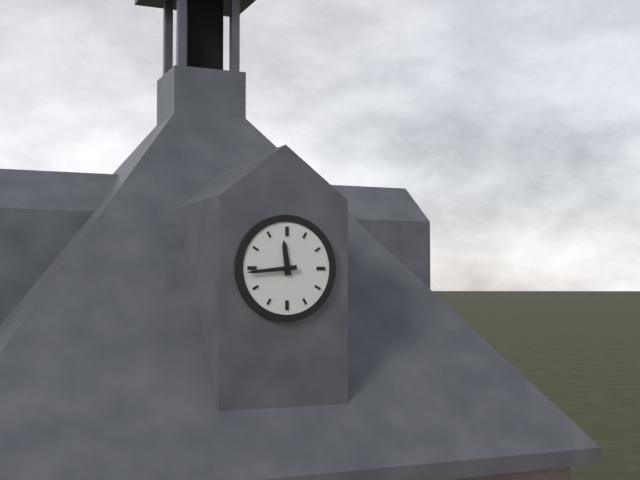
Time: {"hour": 11, "minute": 44}
